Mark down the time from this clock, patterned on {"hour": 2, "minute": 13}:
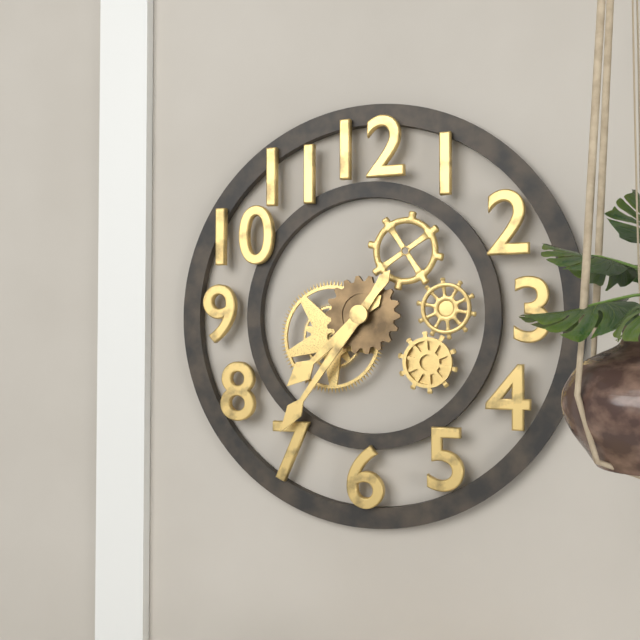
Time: {"hour": 7, "minute": 36}
